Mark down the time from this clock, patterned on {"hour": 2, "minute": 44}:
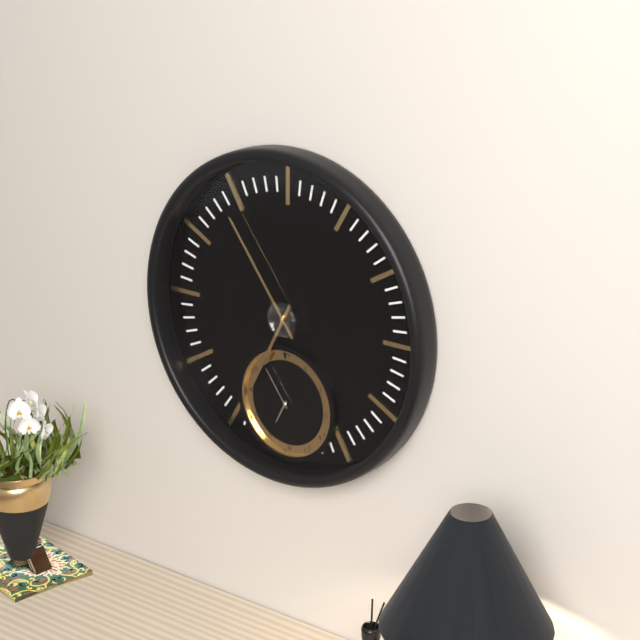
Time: {"hour": 6, "minute": 54}
